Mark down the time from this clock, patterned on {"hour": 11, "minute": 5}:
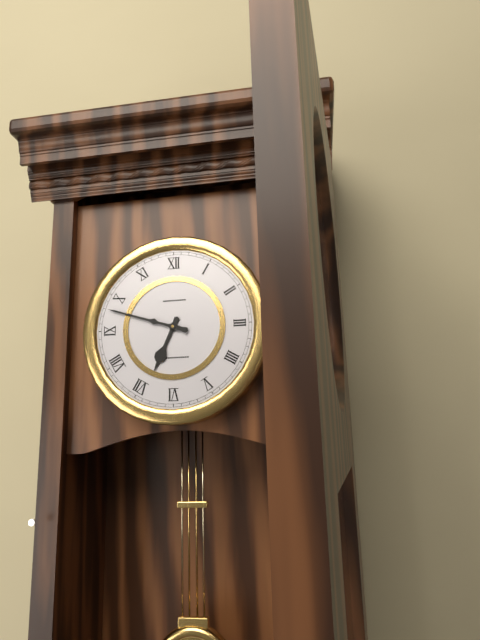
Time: {"hour": 6, "minute": 48}
